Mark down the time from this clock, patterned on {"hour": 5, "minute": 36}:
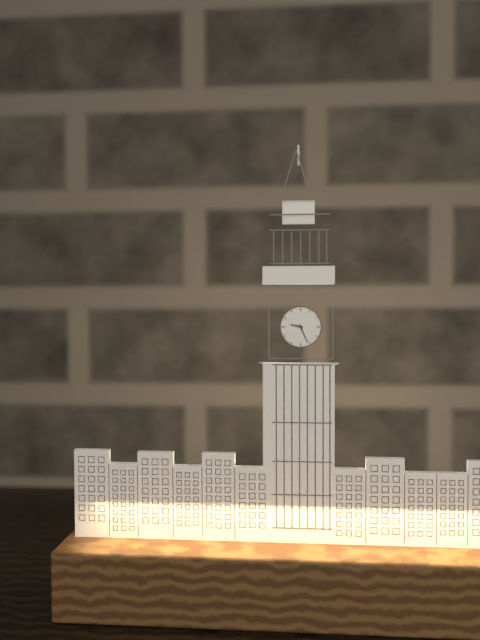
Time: {"hour": 9, "minute": 26}
